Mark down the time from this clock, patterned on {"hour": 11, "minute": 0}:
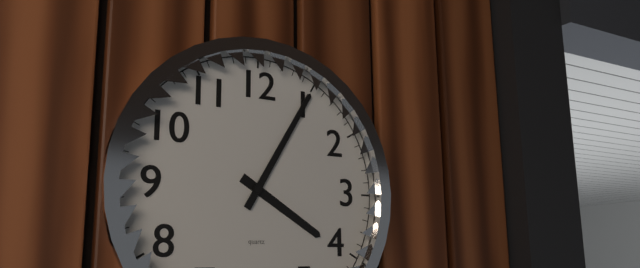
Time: {"hour": 4, "minute": 5}
